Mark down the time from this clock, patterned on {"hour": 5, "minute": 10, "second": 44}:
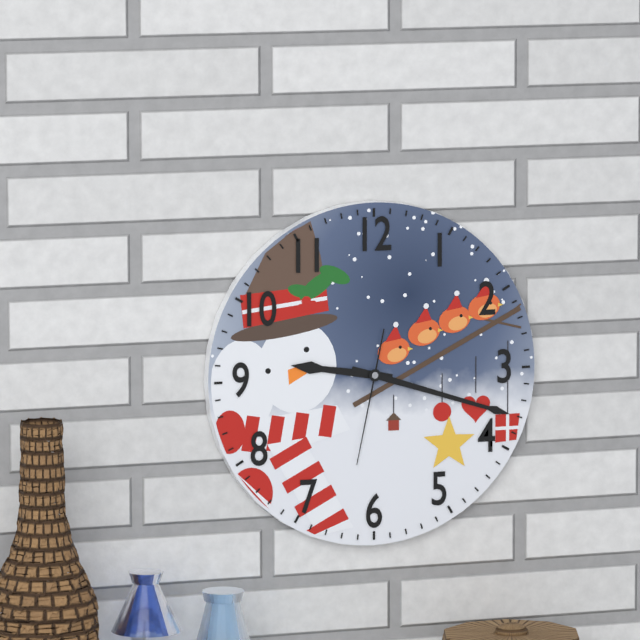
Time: {"hour": 9, "minute": 18, "second": 32}
